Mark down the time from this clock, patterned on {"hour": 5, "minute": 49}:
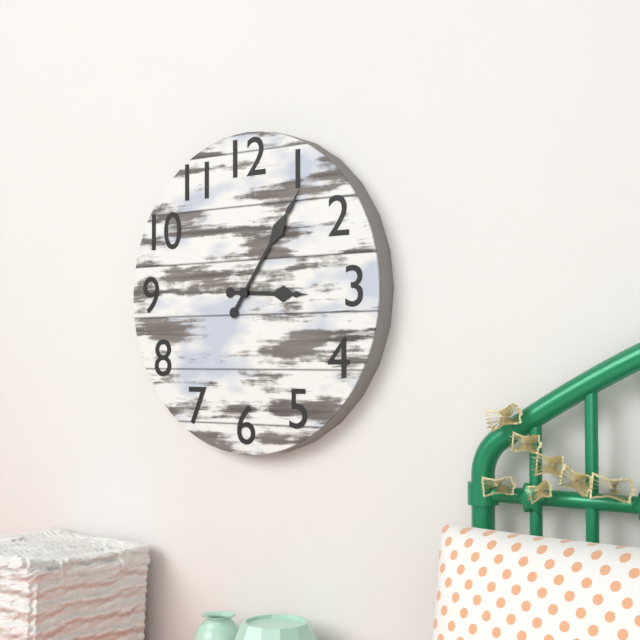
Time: {"hour": 3, "minute": 6}
